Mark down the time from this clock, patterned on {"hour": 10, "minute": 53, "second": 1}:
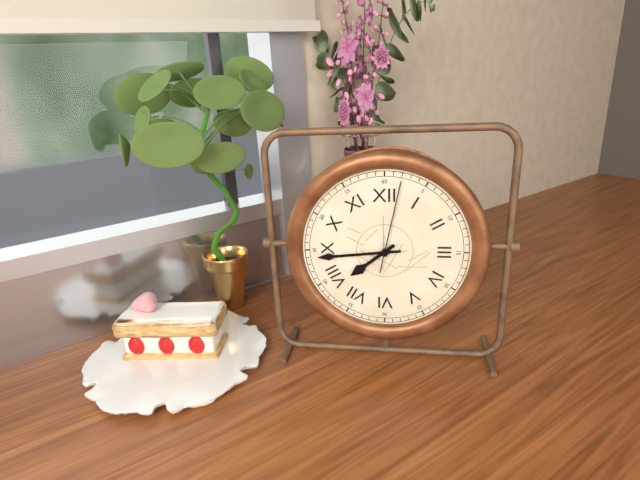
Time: {"hour": 7, "minute": 44, "second": 2}
